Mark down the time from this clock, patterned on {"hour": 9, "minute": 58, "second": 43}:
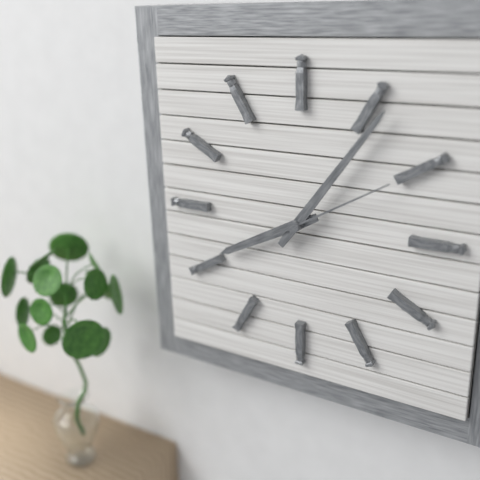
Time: {"hour": 8, "minute": 6, "second": 10}
